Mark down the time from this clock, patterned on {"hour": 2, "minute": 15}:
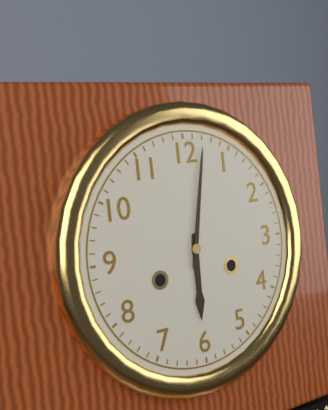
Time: {"hour": 6, "minute": 2}
